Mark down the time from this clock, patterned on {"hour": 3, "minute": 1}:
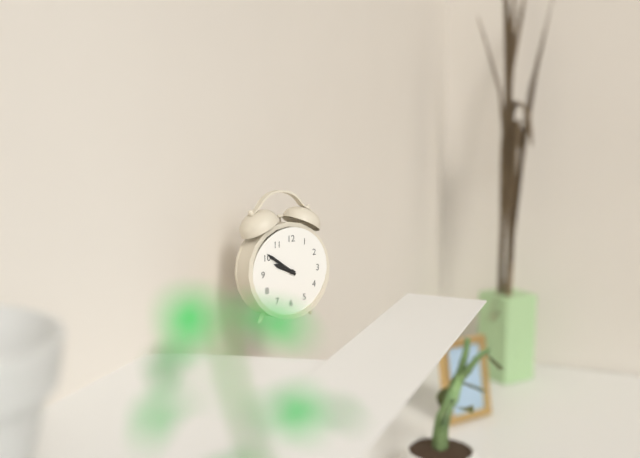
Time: {"hour": 9, "minute": 51}
